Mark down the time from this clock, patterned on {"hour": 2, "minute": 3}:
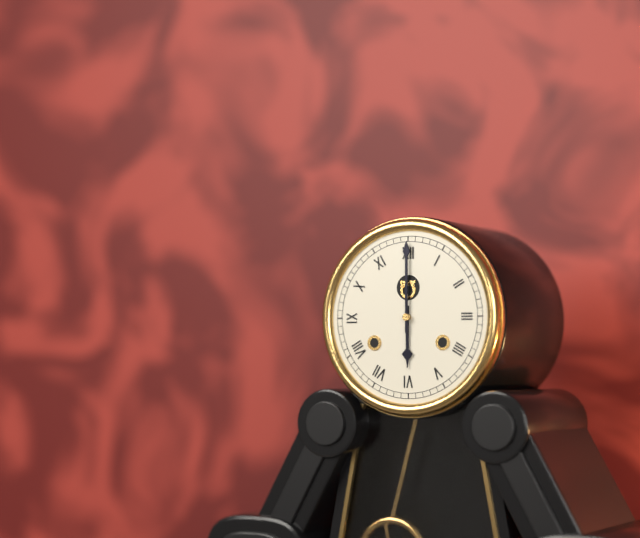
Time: {"hour": 6, "minute": 0}
